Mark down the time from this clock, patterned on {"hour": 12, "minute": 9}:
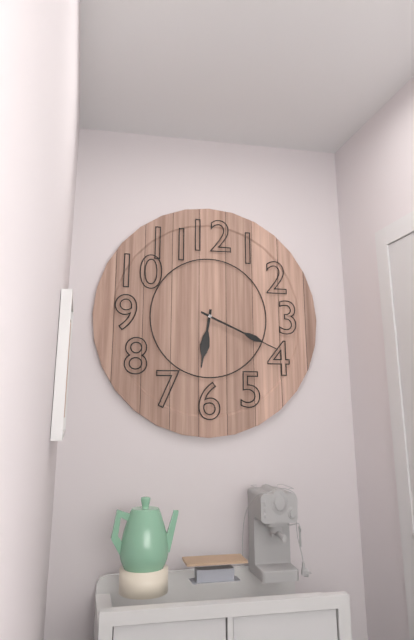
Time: {"hour": 6, "minute": 19}
